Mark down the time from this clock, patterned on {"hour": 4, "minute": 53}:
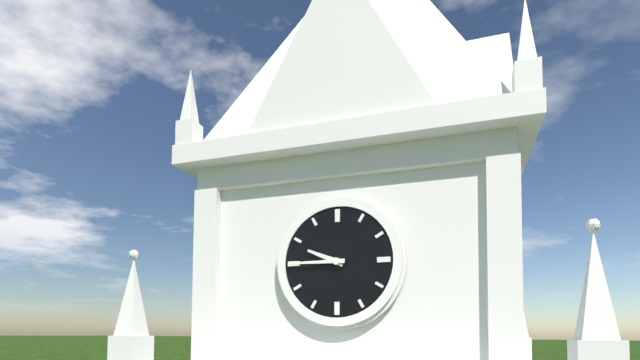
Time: {"hour": 9, "minute": 45}
